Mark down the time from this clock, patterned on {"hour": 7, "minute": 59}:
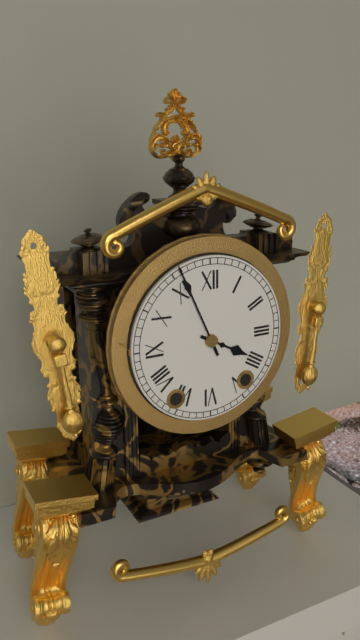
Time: {"hour": 3, "minute": 56}
